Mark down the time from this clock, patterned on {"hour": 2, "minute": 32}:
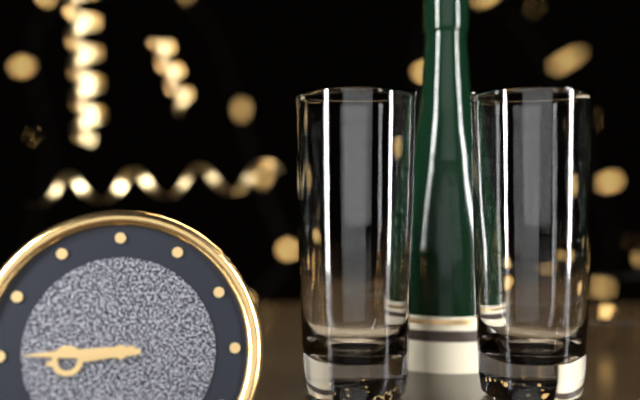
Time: {"hour": 8, "minute": 45}
